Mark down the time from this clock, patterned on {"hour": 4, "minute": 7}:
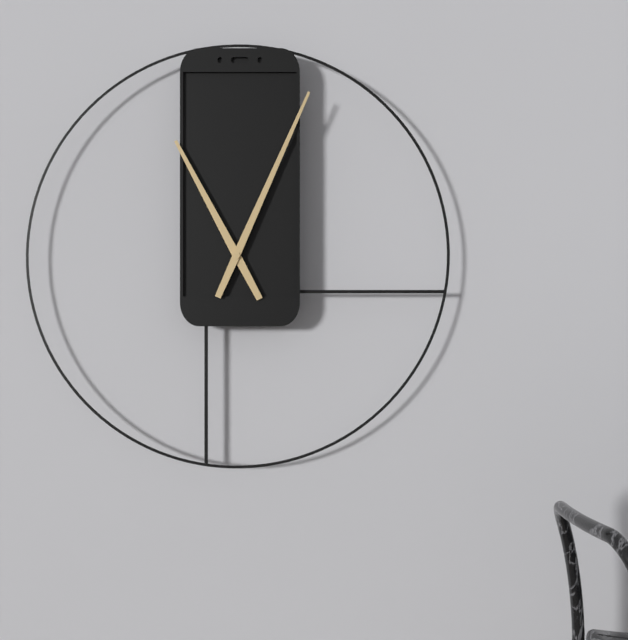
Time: {"hour": 11, "minute": 4}
